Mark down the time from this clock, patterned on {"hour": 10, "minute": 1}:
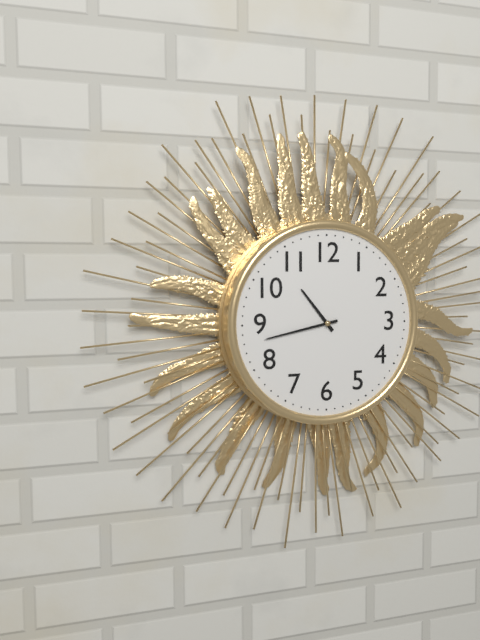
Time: {"hour": 10, "minute": 43}
